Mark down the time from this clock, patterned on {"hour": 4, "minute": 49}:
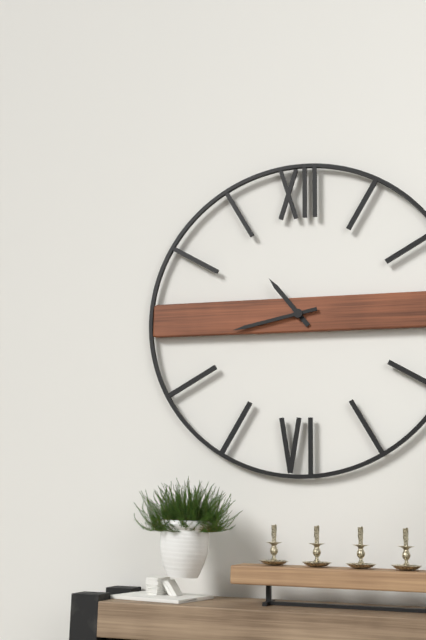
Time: {"hour": 10, "minute": 43}
